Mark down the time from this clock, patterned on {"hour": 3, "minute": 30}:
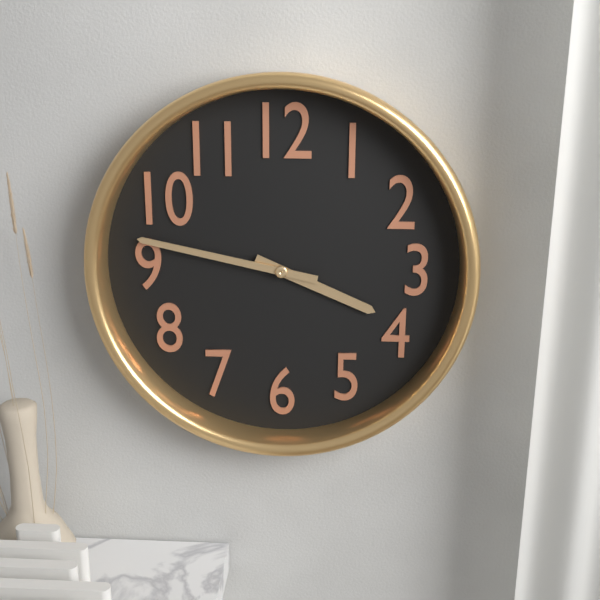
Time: {"hour": 3, "minute": 47}
